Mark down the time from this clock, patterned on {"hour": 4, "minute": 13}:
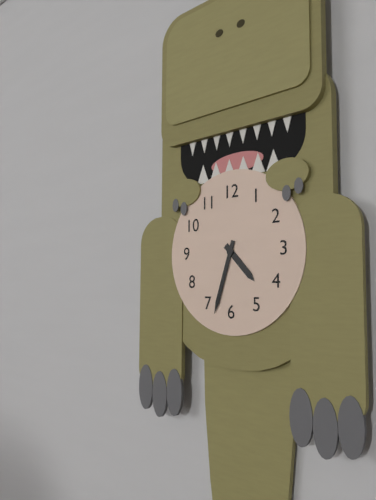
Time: {"hour": 4, "minute": 33}
